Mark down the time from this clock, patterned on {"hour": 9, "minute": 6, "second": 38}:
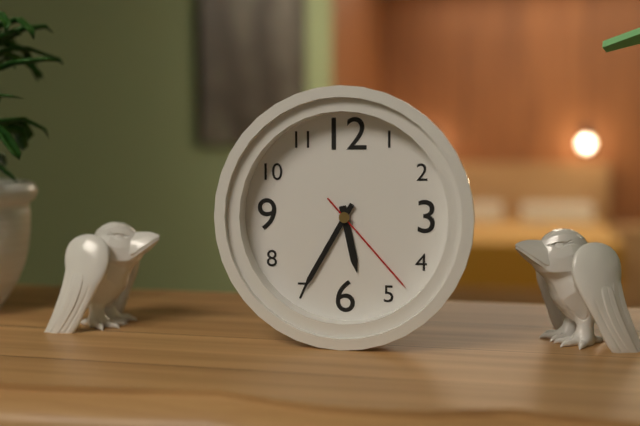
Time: {"hour": 5, "minute": 35, "second": 23}
